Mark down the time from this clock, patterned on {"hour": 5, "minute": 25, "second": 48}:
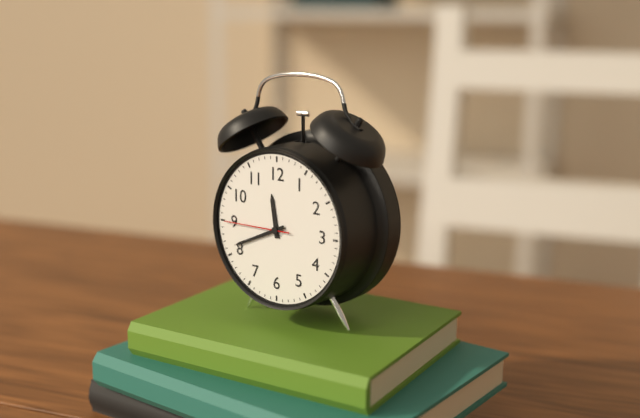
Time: {"hour": 11, "minute": 41, "second": 45}
